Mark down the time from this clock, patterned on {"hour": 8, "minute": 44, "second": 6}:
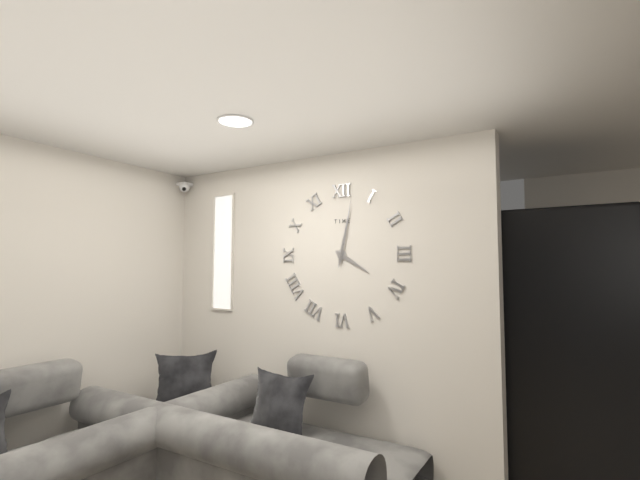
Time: {"hour": 4, "minute": 2, "second": 2}
